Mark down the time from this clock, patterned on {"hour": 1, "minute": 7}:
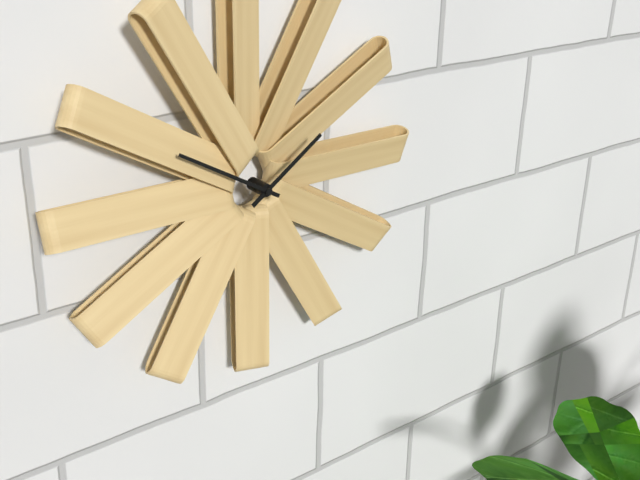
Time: {"hour": 1, "minute": 50}
